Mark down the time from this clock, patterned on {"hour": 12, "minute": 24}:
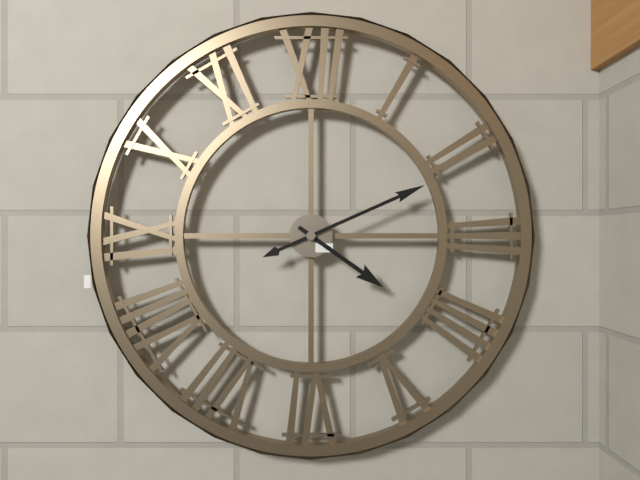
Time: {"hour": 4, "minute": 11}
